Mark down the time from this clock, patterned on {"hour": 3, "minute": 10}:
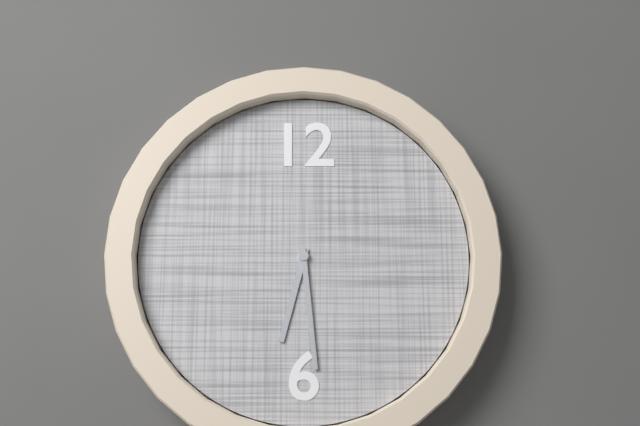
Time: {"hour": 6, "minute": 29}
